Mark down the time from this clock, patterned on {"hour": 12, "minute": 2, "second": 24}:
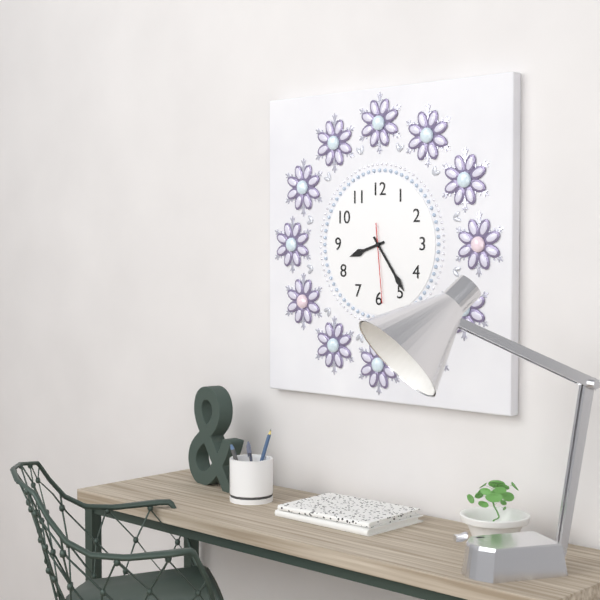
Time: {"hour": 8, "minute": 24, "second": 29}
